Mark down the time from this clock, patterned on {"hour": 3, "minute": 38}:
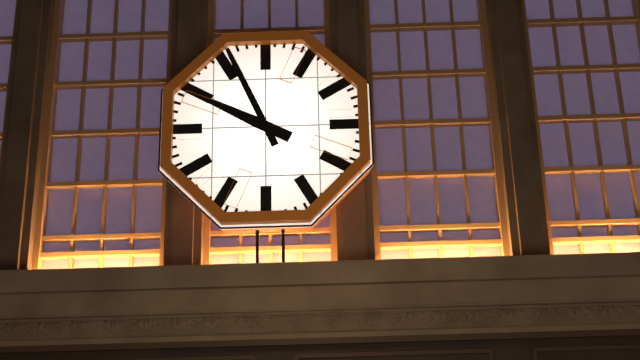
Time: {"hour": 9, "minute": 56}
